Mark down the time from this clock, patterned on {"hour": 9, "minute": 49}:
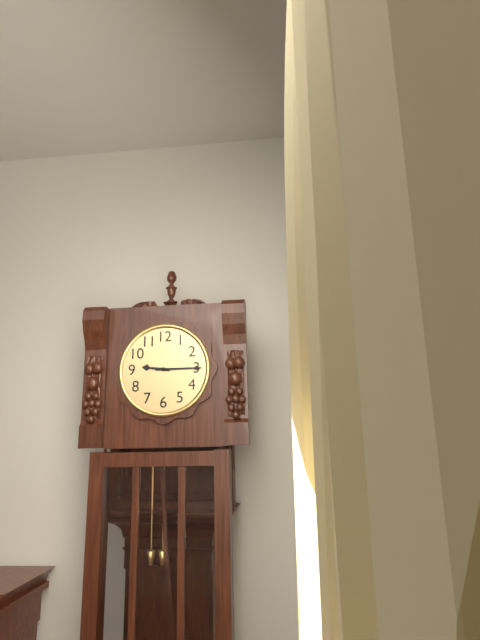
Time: {"hour": 9, "minute": 15}
